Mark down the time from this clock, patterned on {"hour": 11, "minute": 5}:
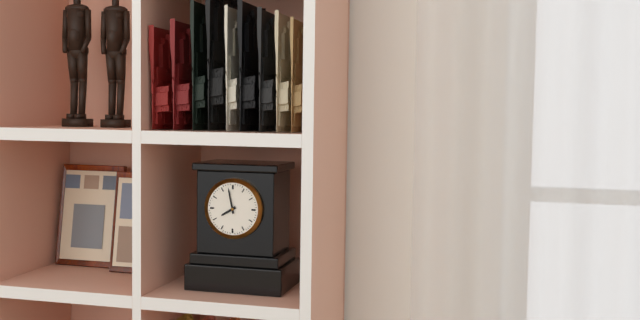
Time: {"hour": 7, "minute": 58}
